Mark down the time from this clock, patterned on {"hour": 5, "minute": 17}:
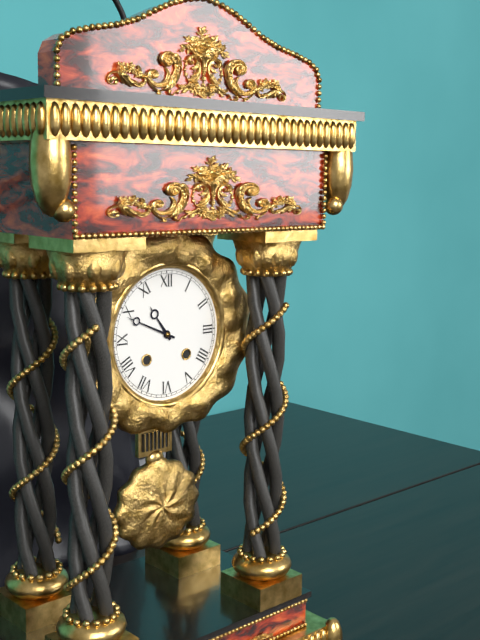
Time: {"hour": 10, "minute": 49}
